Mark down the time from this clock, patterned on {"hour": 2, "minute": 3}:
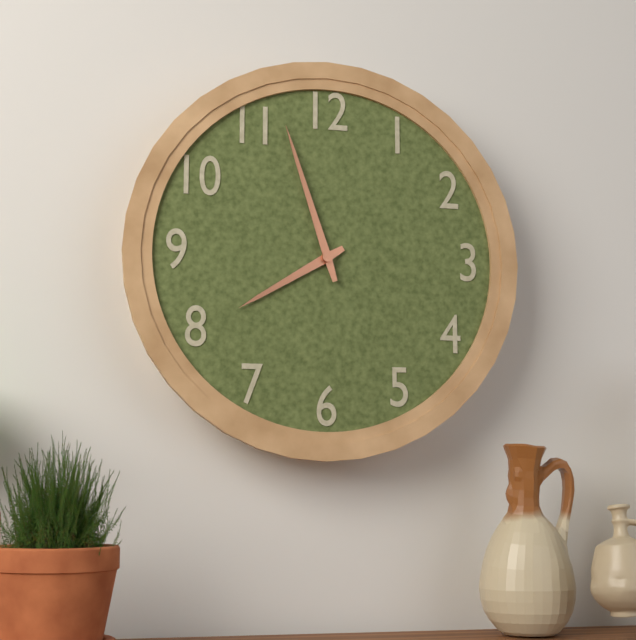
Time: {"hour": 7, "minute": 57}
